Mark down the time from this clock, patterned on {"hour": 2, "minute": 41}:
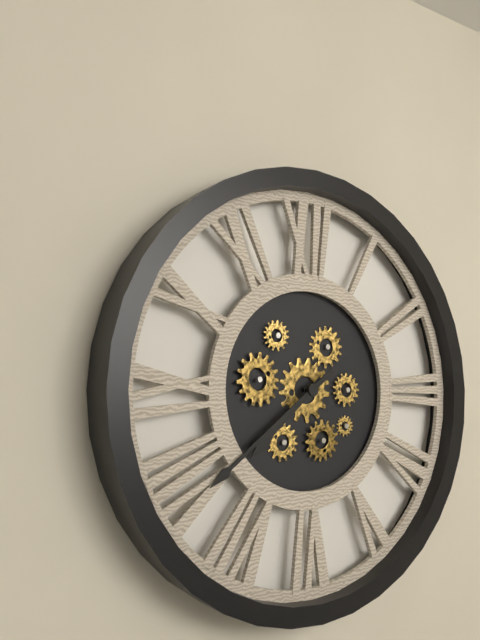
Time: {"hour": 7, "minute": 39}
